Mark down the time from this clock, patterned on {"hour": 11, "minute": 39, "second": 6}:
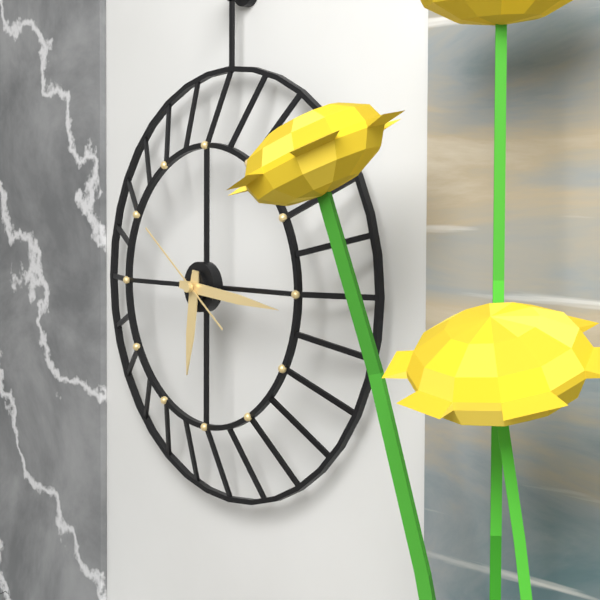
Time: {"hour": 6, "minute": 16, "second": 51}
